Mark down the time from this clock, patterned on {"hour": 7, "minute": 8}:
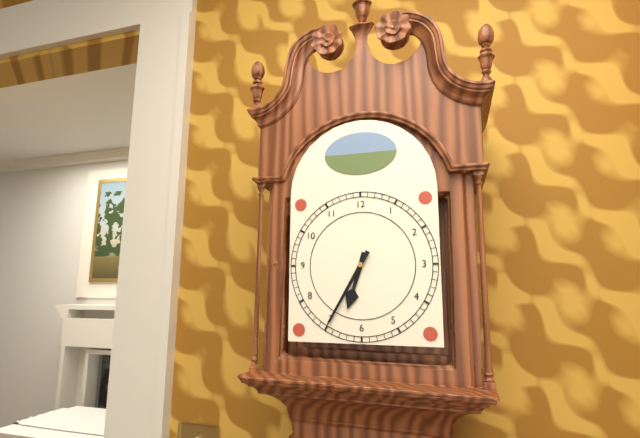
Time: {"hour": 6, "minute": 35}
